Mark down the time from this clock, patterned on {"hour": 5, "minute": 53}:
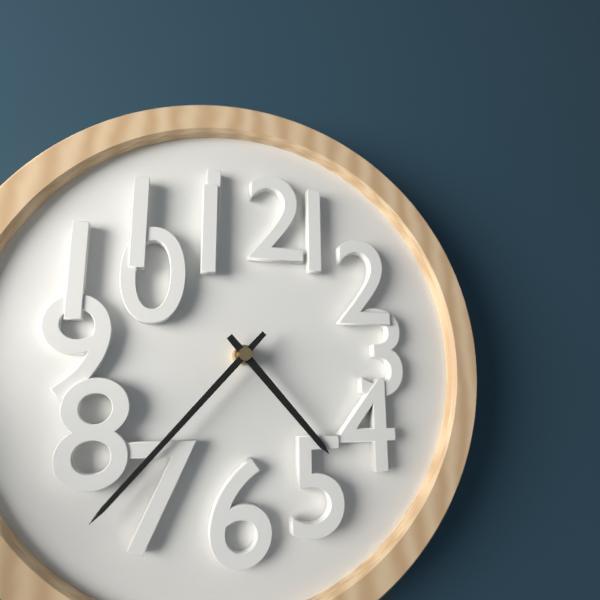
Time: {"hour": 4, "minute": 37}
